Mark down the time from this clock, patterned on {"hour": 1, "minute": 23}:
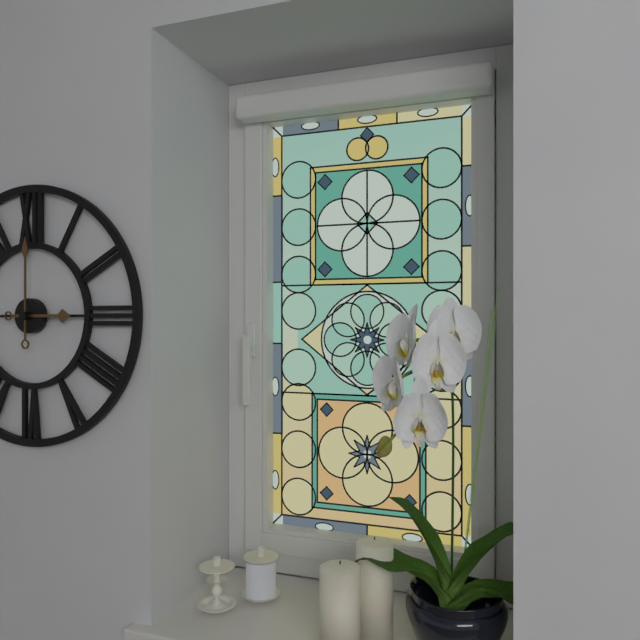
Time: {"hour": 3, "minute": 0}
